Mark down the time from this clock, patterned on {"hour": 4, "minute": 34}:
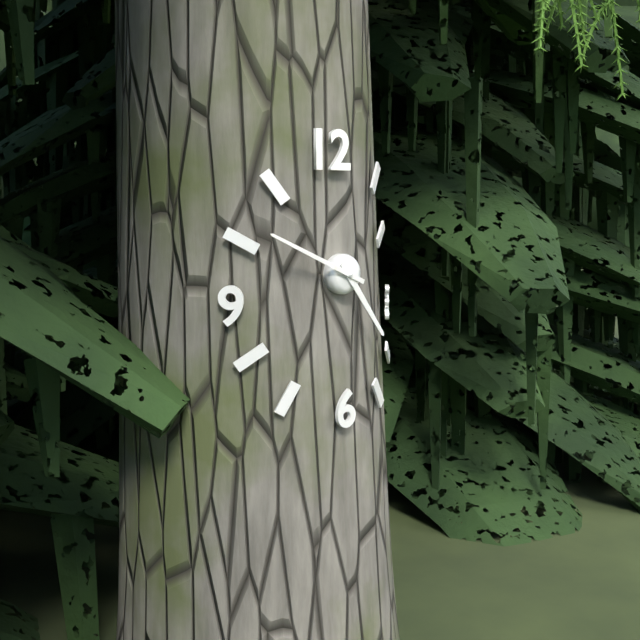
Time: {"hour": 4, "minute": 49}
